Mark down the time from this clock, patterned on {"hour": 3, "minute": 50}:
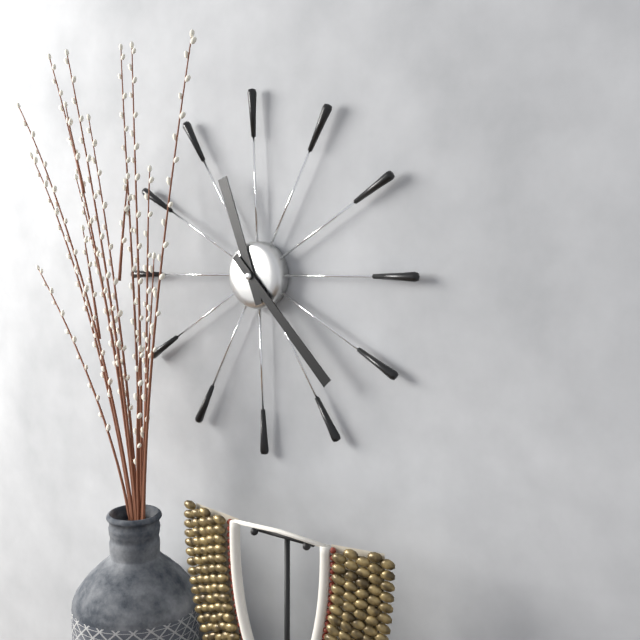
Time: {"hour": 11, "minute": 23}
